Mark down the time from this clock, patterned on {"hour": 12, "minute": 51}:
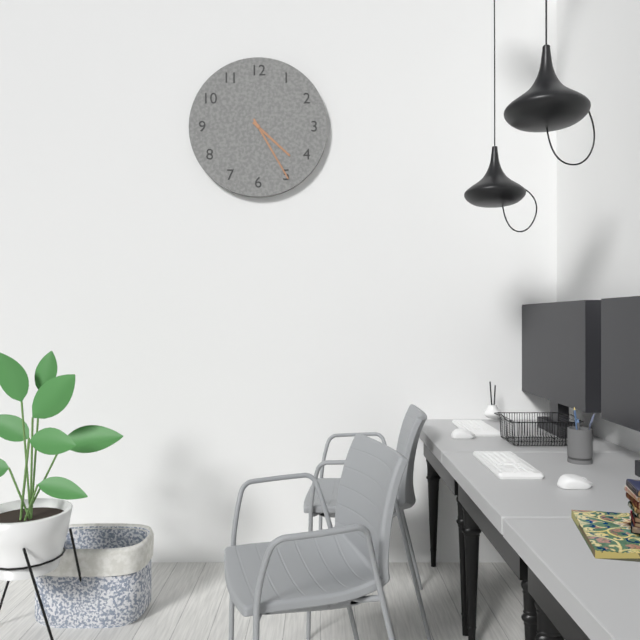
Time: {"hour": 4, "minute": 25}
